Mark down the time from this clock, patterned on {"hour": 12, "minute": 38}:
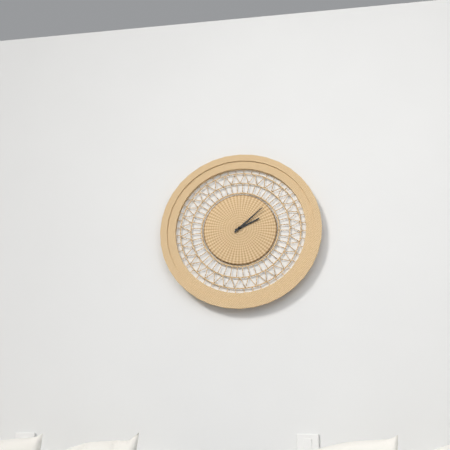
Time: {"hour": 2, "minute": 8}
